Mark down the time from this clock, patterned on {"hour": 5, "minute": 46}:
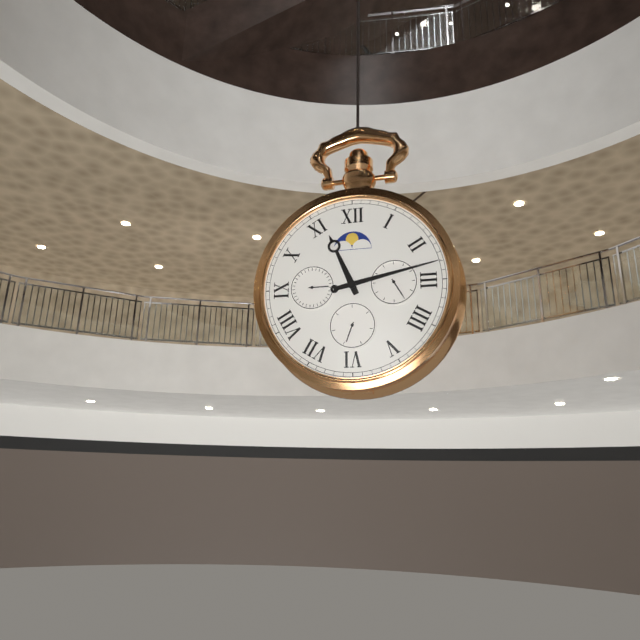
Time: {"hour": 11, "minute": 13}
